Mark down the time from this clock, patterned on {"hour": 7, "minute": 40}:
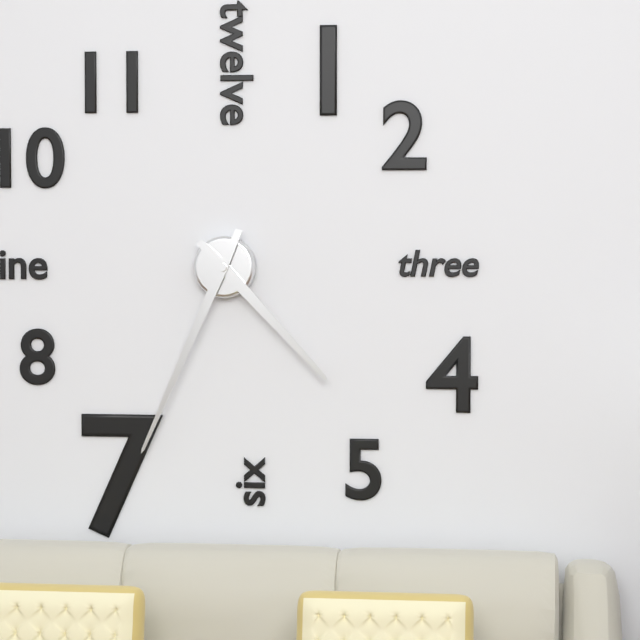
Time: {"hour": 4, "minute": 34}
